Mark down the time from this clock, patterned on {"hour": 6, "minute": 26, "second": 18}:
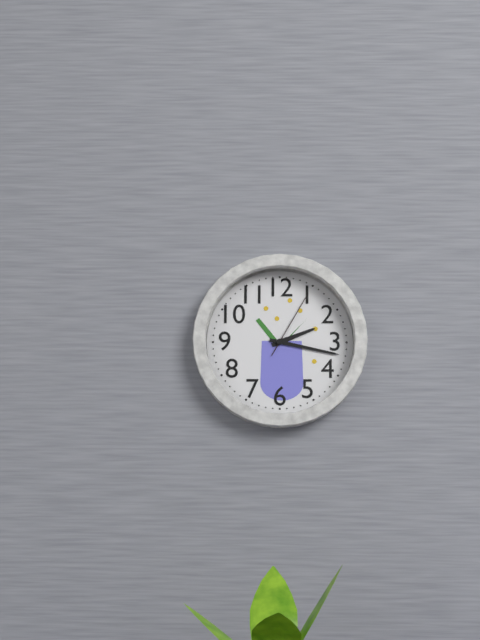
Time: {"hour": 2, "minute": 17, "second": 5}
